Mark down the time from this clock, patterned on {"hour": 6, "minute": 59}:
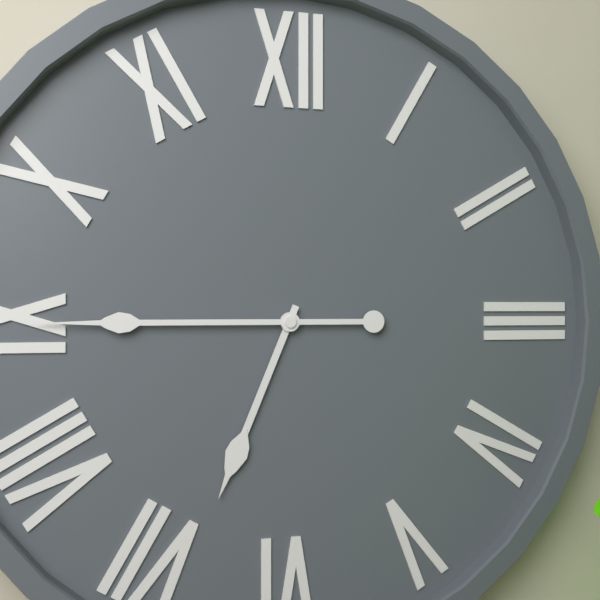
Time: {"hour": 6, "minute": 45}
